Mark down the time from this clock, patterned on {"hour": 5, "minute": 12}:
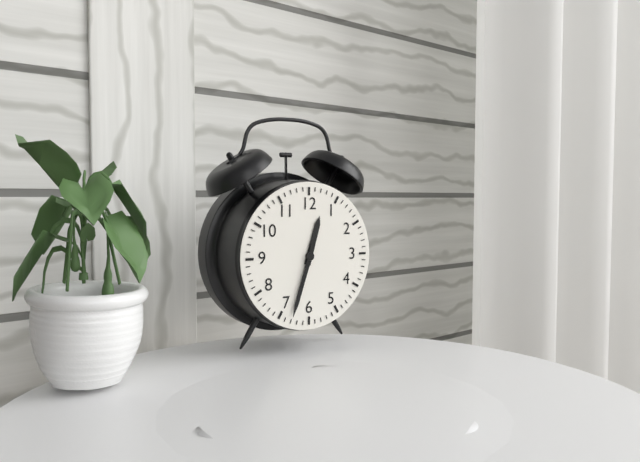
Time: {"hour": 12, "minute": 33}
